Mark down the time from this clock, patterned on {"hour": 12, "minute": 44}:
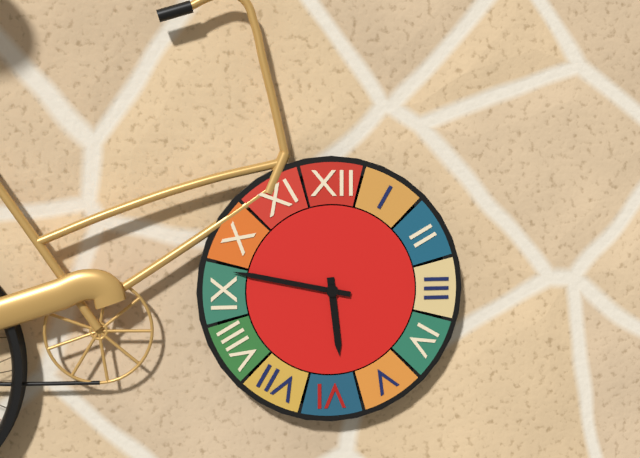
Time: {"hour": 5, "minute": 47}
